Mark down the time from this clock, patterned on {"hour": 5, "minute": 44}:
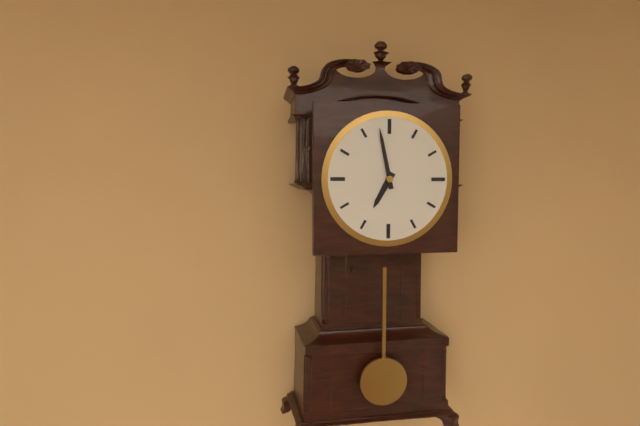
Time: {"hour": 6, "minute": 58}
